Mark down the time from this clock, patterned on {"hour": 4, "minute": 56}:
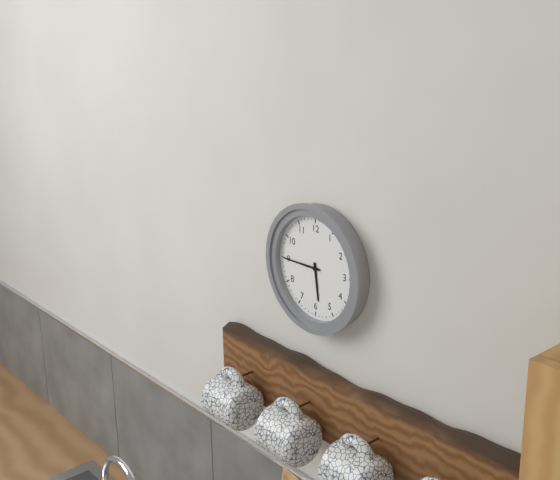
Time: {"hour": 5, "minute": 45}
